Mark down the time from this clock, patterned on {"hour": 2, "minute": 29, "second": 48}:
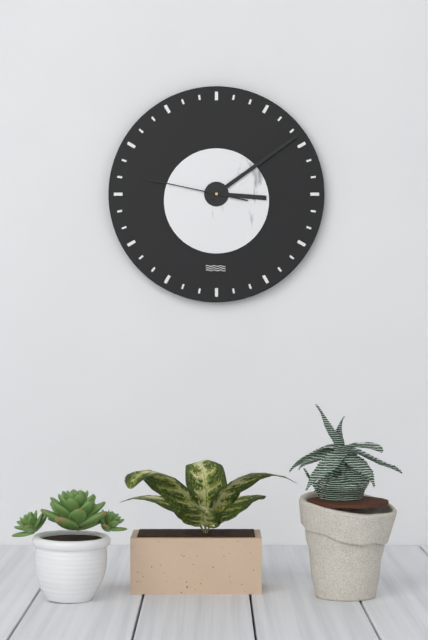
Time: {"hour": 3, "minute": 9, "second": 47}
